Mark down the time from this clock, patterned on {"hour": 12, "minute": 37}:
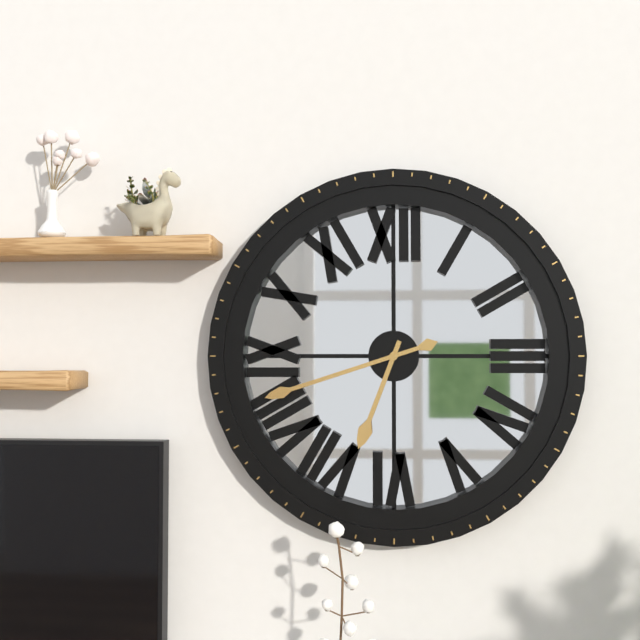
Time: {"hour": 6, "minute": 42}
